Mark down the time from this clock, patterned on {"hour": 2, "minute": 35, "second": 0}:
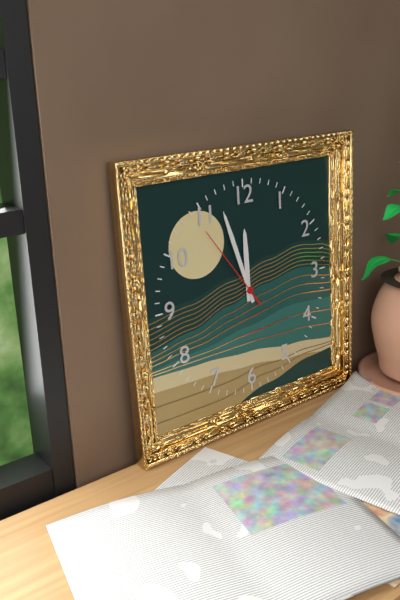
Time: {"hour": 11, "minute": 57, "second": 54}
